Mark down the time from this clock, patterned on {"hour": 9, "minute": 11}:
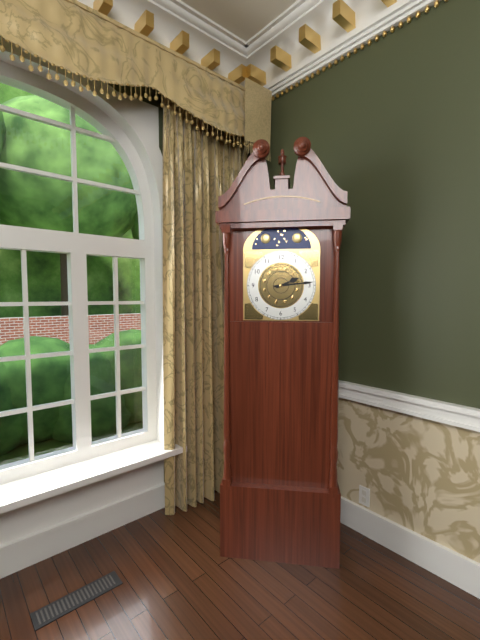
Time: {"hour": 2, "minute": 14}
